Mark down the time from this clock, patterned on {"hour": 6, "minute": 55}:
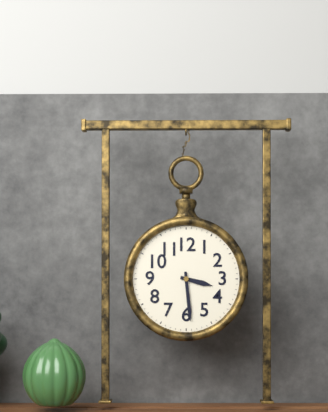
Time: {"hour": 3, "minute": 29}
